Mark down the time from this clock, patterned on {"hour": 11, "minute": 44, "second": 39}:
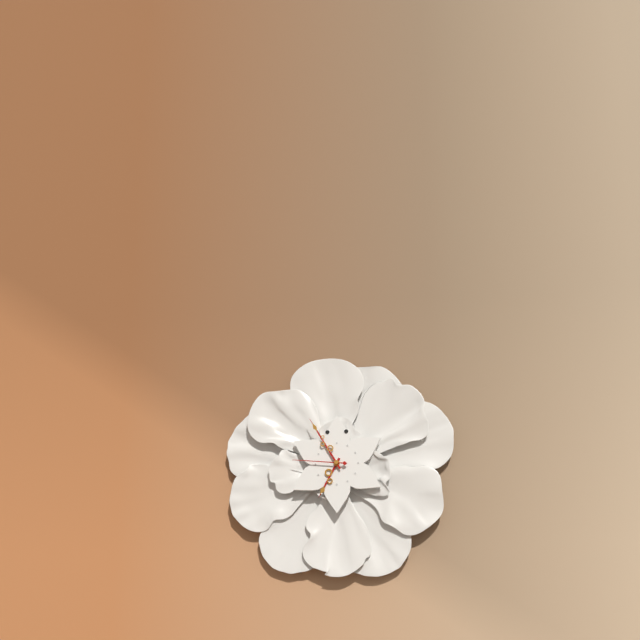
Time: {"hour": 6, "minute": 55, "second": 46}
